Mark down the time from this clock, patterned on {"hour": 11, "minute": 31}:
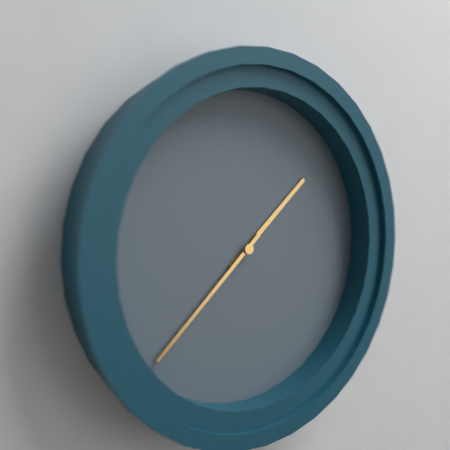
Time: {"hour": 1, "minute": 38}
